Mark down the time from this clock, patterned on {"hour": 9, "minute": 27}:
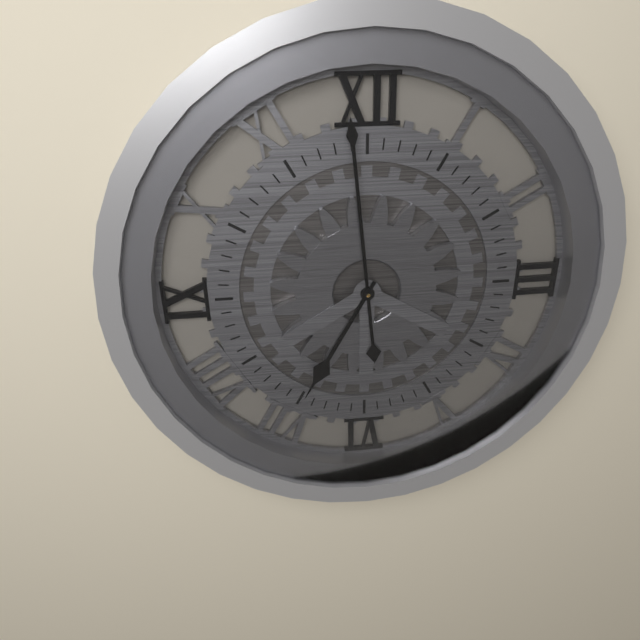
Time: {"hour": 6, "minute": 59}
